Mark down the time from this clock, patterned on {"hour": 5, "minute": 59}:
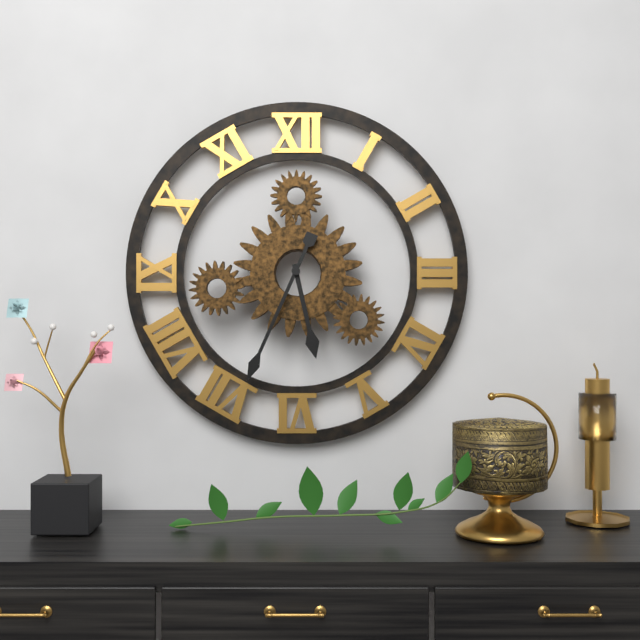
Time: {"hour": 5, "minute": 34}
